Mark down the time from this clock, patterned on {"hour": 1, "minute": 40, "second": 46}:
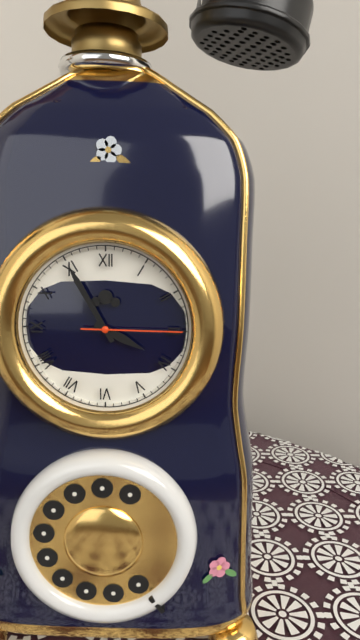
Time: {"hour": 3, "minute": 55, "second": 15}
